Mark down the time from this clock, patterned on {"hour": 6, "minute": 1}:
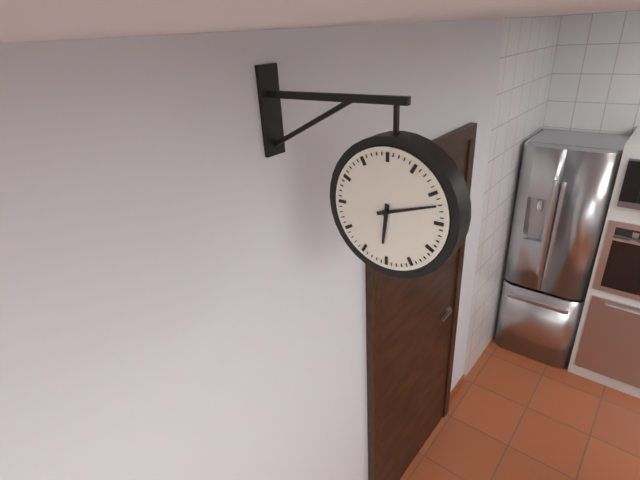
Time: {"hour": 6, "minute": 12}
